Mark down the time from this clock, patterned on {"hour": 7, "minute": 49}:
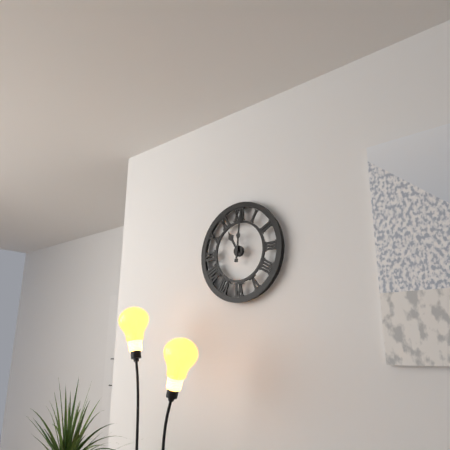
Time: {"hour": 11, "minute": 1}
